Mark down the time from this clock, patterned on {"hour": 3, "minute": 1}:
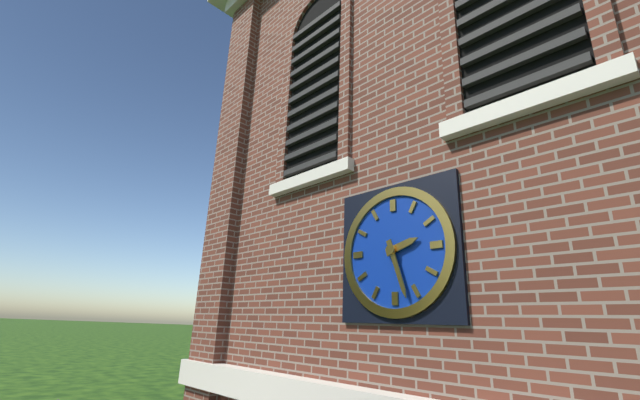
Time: {"hour": 2, "minute": 27}
